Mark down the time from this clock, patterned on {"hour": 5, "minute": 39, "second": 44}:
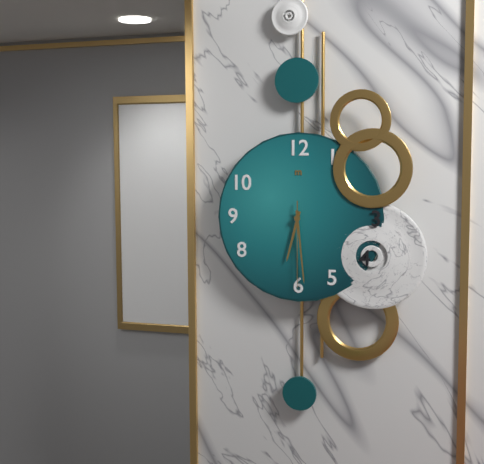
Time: {"hour": 6, "minute": 29, "second": 30}
